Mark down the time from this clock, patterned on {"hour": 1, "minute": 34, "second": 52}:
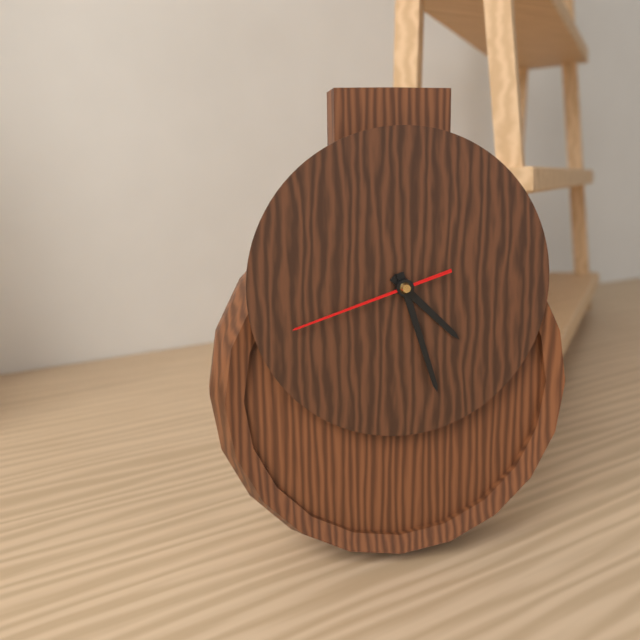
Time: {"hour": 4, "minute": 27, "second": 42}
